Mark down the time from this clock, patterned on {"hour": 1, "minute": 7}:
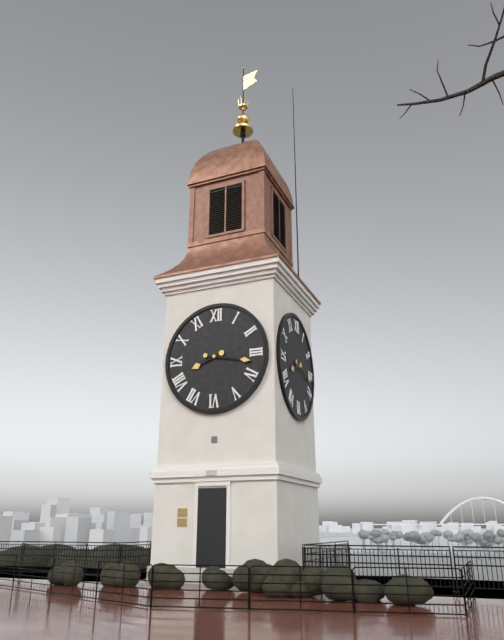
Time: {"hour": 8, "minute": 17}
